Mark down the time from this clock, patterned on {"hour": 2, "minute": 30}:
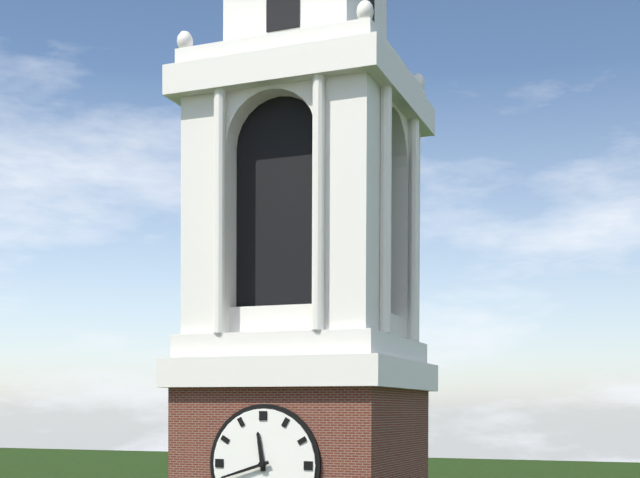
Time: {"hour": 11, "minute": 42}
